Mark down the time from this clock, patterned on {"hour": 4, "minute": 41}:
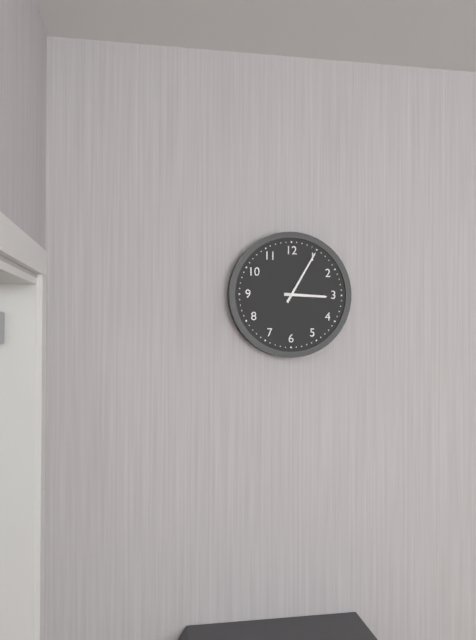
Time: {"hour": 3, "minute": 5}
